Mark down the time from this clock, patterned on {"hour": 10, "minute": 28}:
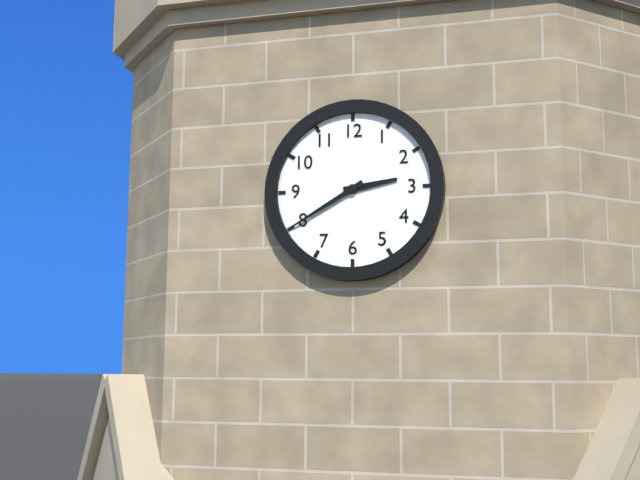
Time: {"hour": 2, "minute": 40}
